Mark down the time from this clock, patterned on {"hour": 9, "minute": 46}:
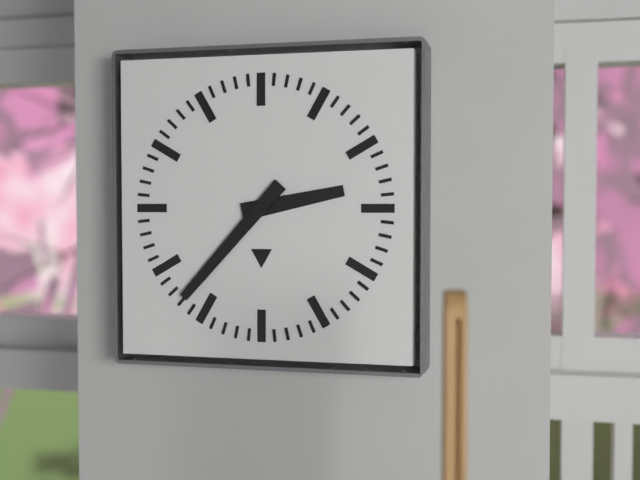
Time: {"hour": 2, "minute": 37}
